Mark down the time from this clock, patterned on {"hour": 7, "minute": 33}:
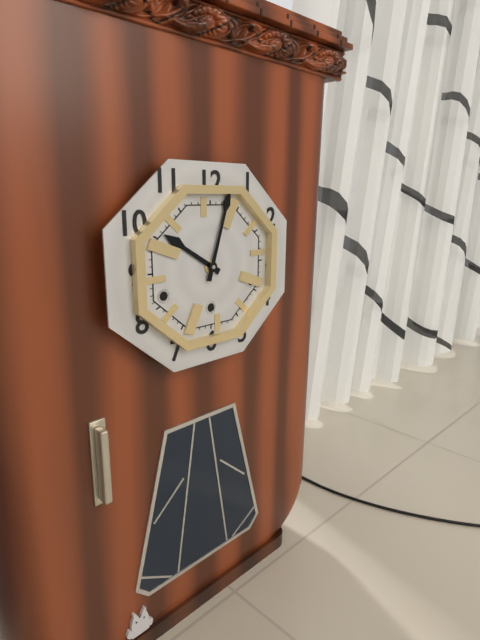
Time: {"hour": 10, "minute": 3}
